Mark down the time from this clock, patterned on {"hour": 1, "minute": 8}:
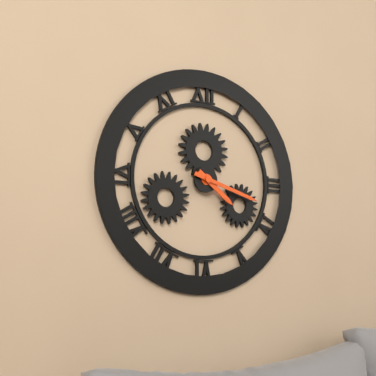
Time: {"hour": 4, "minute": 18}
